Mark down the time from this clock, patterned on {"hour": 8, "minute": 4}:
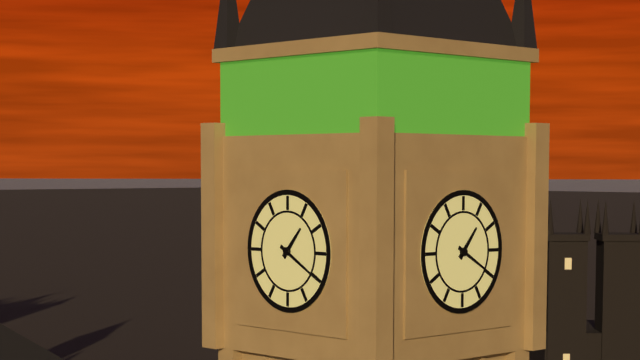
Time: {"hour": 1, "minute": 20}
